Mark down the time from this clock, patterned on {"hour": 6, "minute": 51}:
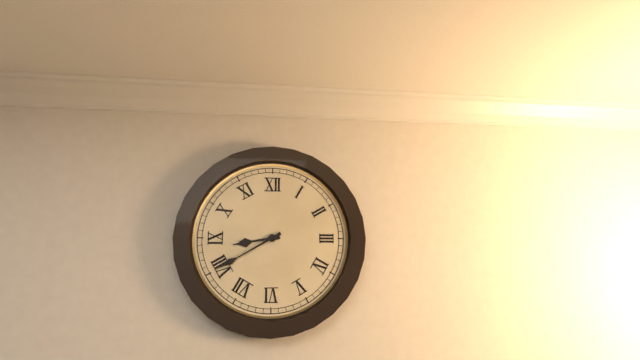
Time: {"hour": 8, "minute": 40}
